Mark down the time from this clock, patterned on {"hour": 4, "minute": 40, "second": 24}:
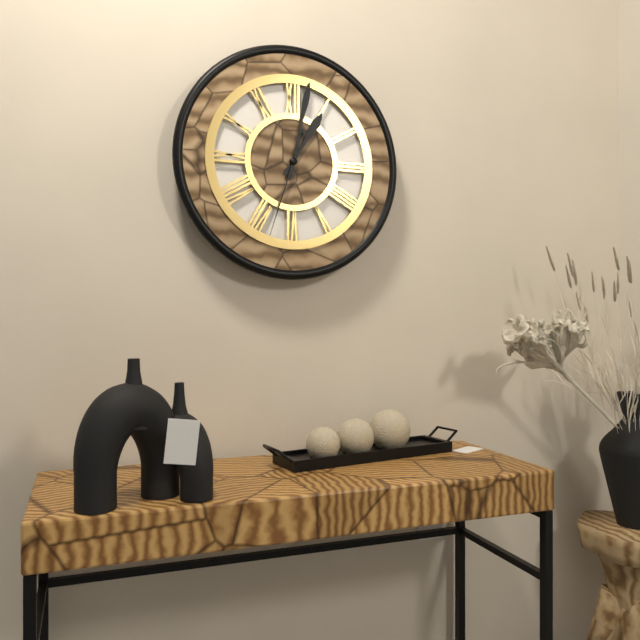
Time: {"hour": 1, "minute": 2, "second": 33}
